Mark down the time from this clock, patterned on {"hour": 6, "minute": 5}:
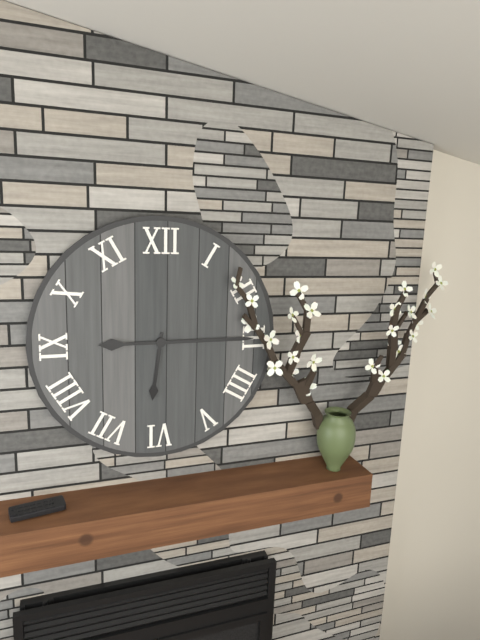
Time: {"hour": 6, "minute": 15}
